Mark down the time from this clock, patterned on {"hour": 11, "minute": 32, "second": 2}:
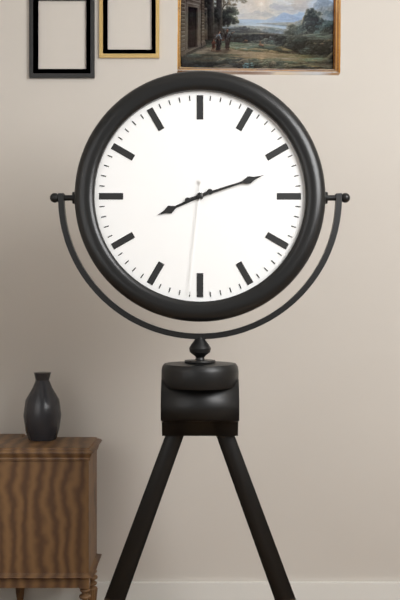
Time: {"hour": 8, "minute": 12, "second": 31}
